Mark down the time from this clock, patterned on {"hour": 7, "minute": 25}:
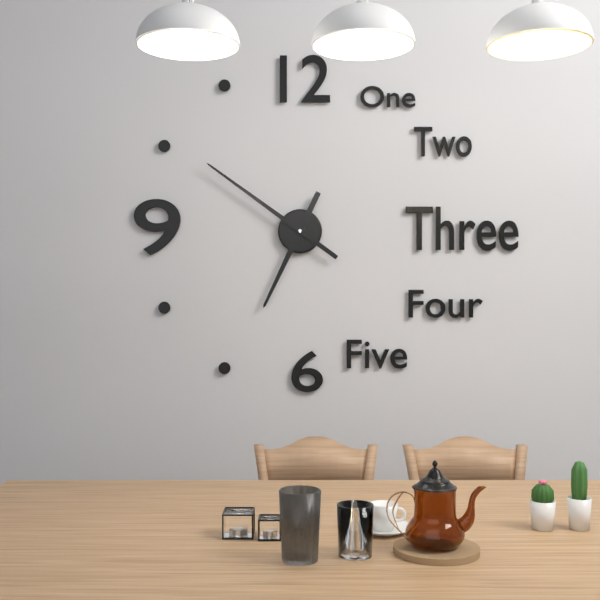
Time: {"hour": 6, "minute": 51}
